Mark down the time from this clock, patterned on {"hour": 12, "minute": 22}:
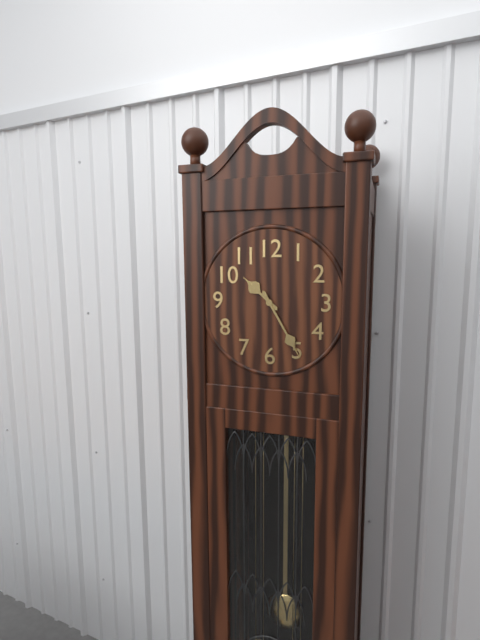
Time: {"hour": 10, "minute": 25}
